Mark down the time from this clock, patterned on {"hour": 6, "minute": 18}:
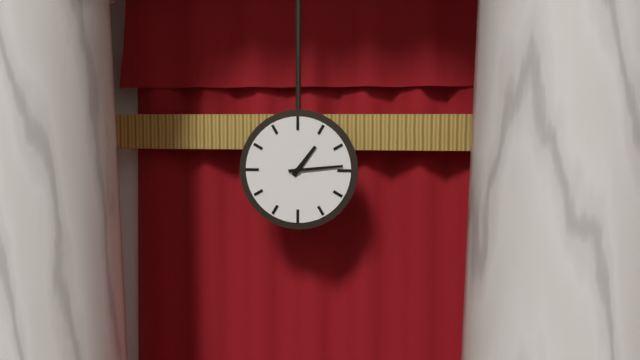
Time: {"hour": 1, "minute": 14}
